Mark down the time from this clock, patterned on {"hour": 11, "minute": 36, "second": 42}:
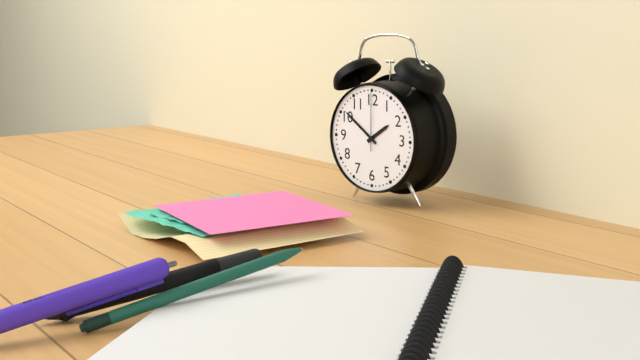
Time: {"hour": 1, "minute": 51, "second": 0}
